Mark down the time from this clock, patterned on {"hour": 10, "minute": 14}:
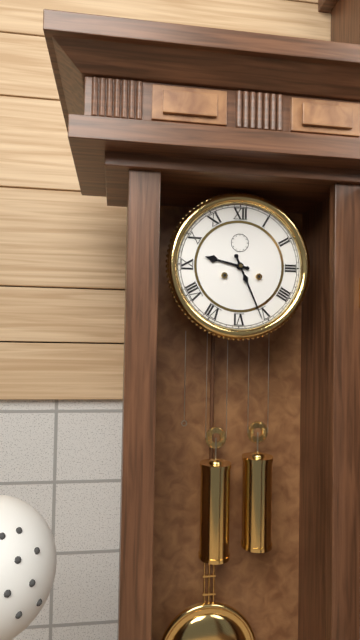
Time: {"hour": 9, "minute": 26}
